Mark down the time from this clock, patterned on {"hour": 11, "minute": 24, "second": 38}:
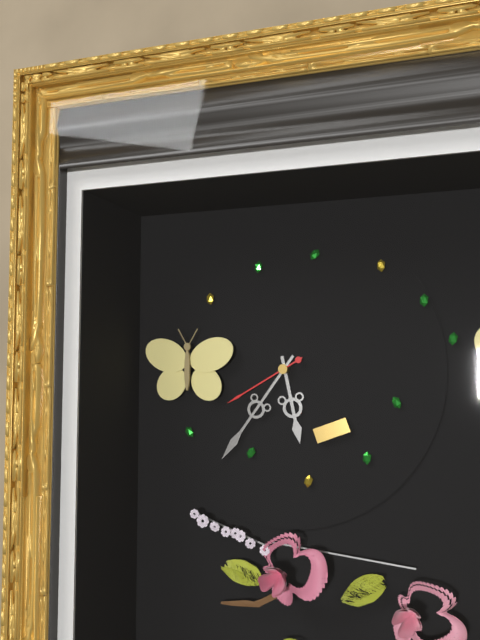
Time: {"hour": 5, "minute": 36, "second": 40}
